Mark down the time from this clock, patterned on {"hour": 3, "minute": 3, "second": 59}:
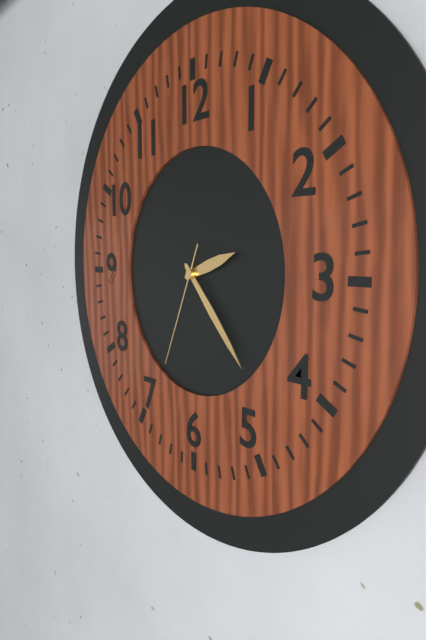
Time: {"hour": 2, "minute": 23, "second": 34}
